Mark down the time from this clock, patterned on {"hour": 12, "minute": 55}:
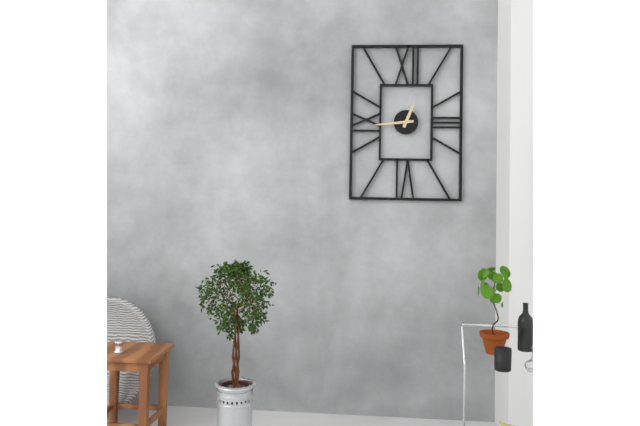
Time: {"hour": 12, "minute": 44}
